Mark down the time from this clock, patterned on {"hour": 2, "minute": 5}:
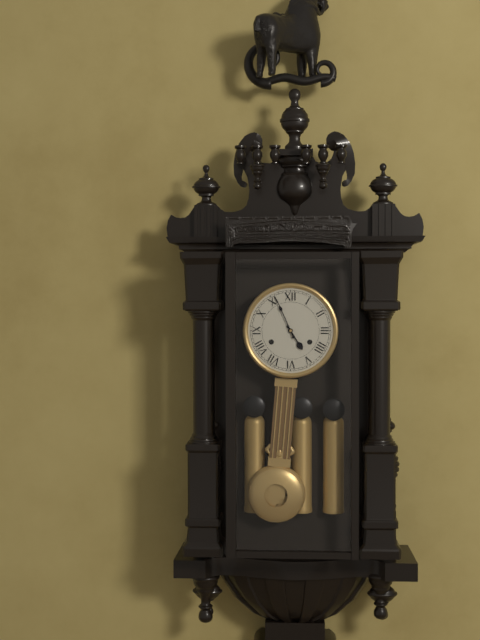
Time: {"hour": 4, "minute": 56}
